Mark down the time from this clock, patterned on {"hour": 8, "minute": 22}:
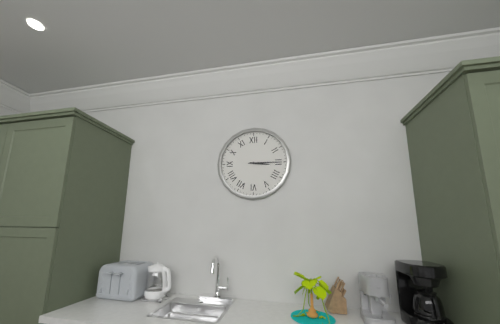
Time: {"hour": 3, "minute": 15}
